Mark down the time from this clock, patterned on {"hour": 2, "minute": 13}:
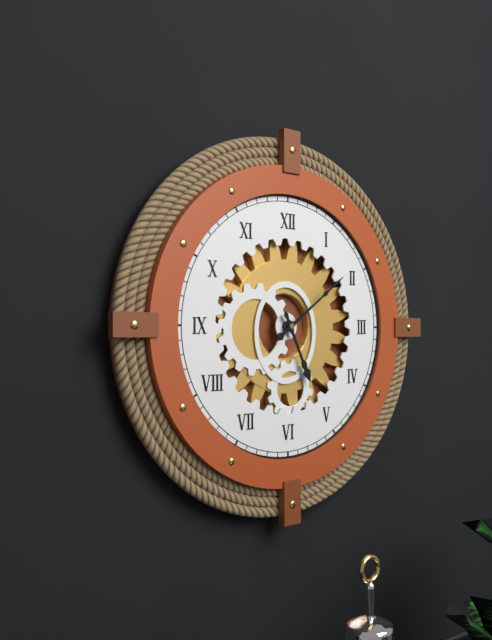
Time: {"hour": 5, "minute": 9}
